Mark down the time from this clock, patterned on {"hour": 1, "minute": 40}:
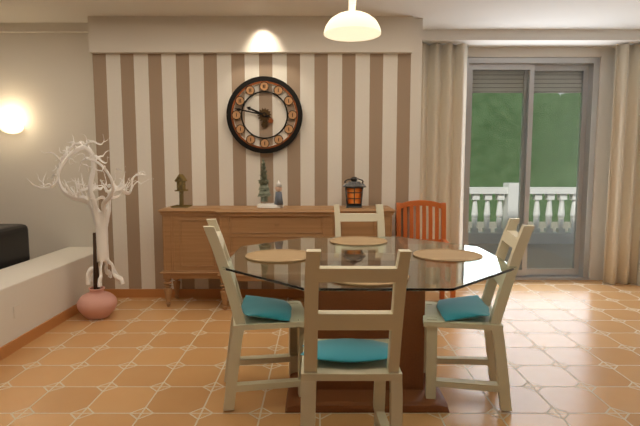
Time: {"hour": 9, "minute": 47}
